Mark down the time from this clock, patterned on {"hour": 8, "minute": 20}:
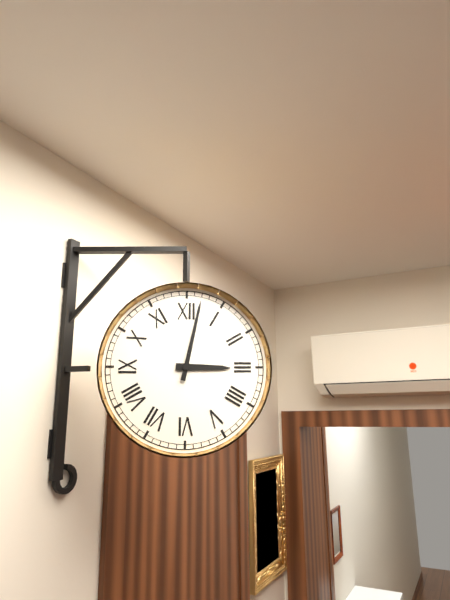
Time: {"hour": 3, "minute": 2}
